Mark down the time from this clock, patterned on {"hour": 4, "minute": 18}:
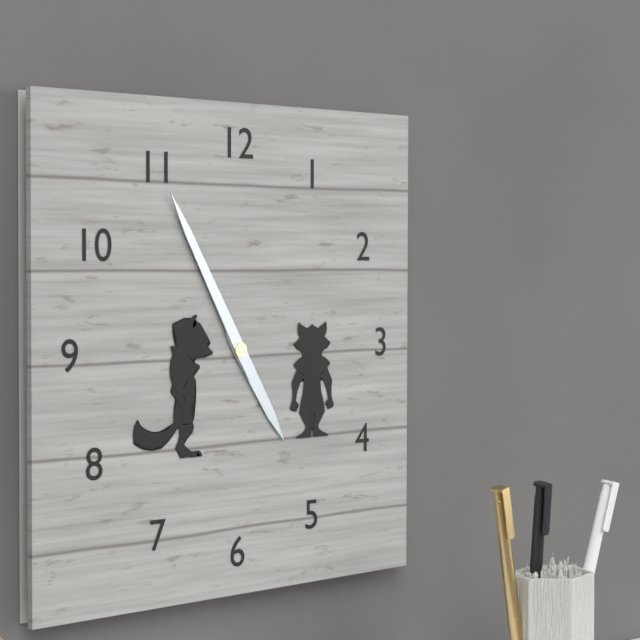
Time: {"hour": 4, "minute": 55}
